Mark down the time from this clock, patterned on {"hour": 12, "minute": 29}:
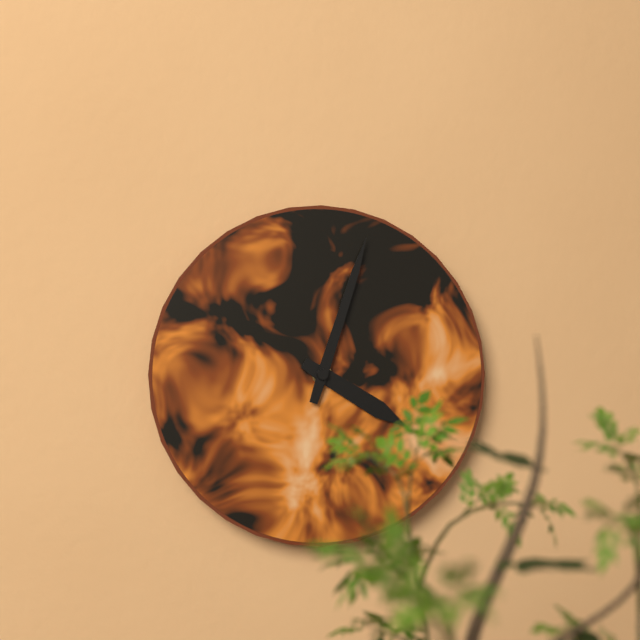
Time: {"hour": 4, "minute": 3}
